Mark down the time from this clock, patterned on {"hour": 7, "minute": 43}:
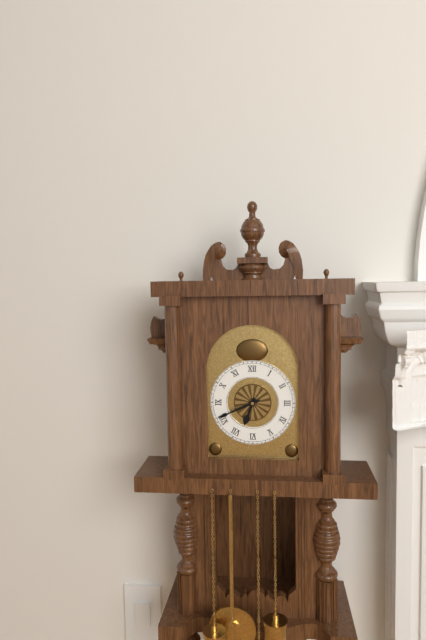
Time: {"hour": 6, "minute": 41}
